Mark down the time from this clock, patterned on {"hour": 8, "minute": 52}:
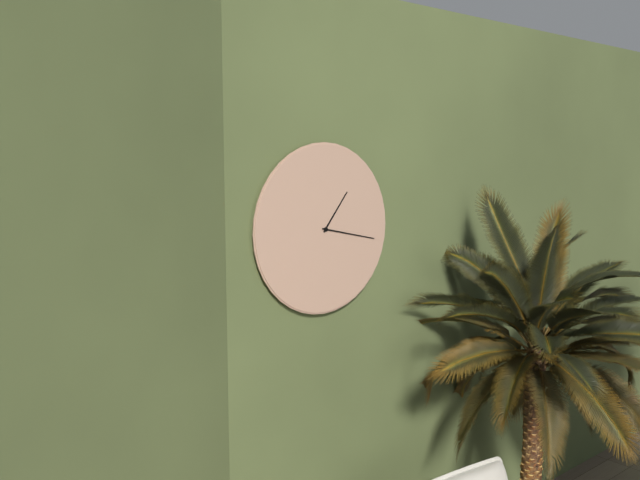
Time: {"hour": 1, "minute": 17}
